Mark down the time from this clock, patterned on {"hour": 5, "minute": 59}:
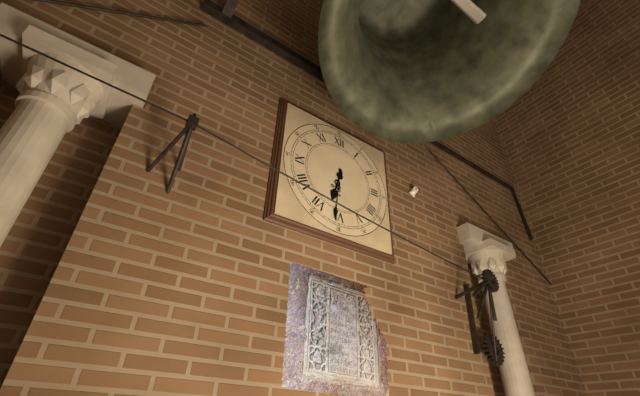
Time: {"hour": 6, "minute": 31}
